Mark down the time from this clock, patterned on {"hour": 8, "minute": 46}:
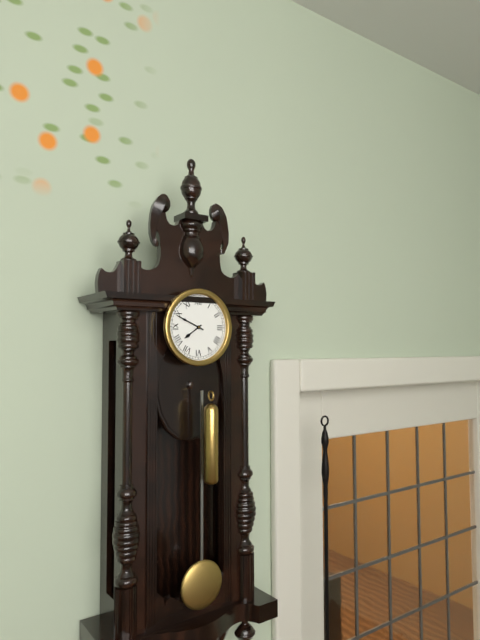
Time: {"hour": 7, "minute": 49}
